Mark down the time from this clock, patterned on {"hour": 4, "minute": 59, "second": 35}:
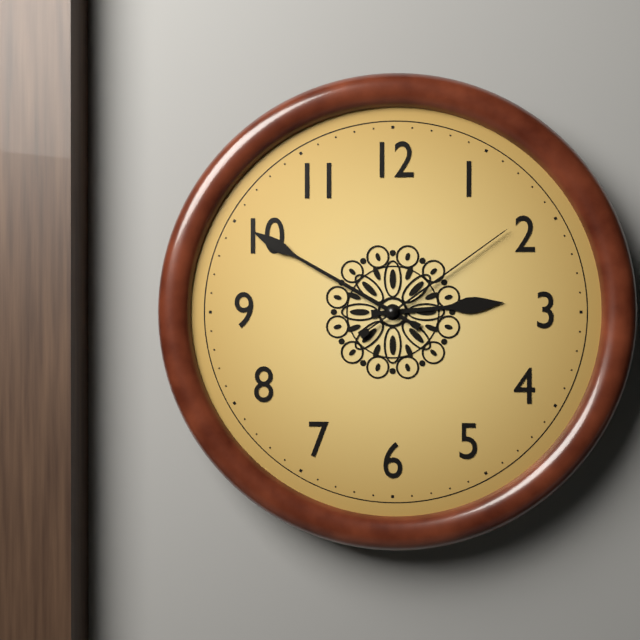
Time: {"hour": 2, "minute": 50, "second": 9}
